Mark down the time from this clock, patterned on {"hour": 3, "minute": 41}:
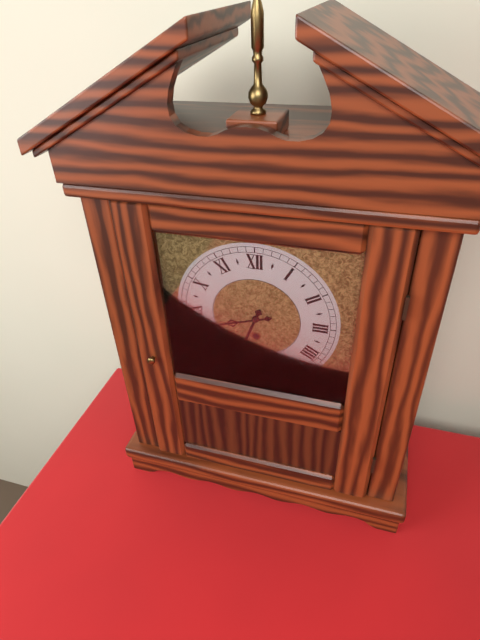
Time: {"hour": 6, "minute": 42}
